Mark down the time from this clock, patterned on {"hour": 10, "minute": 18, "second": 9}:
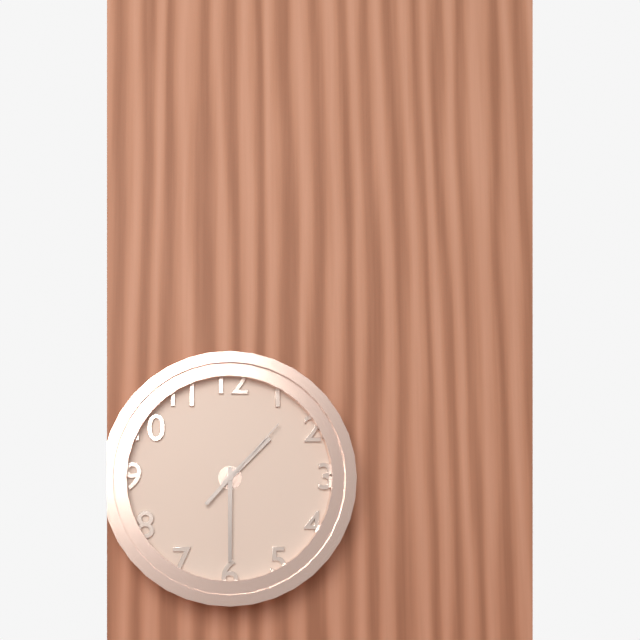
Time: {"hour": 1, "minute": 30, "second": 7}
